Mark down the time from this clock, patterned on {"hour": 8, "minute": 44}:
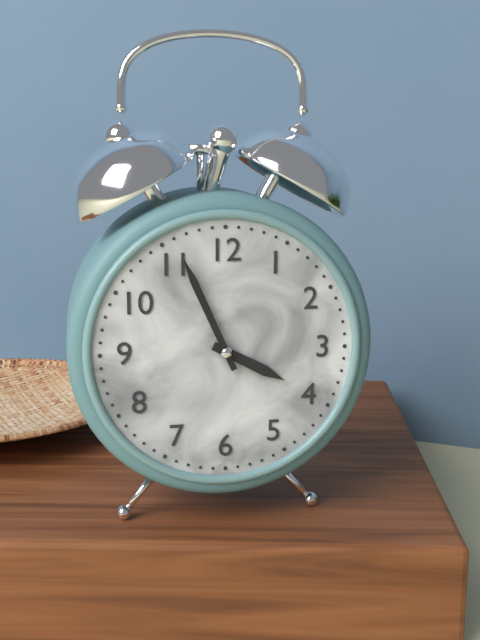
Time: {"hour": 3, "minute": 56}
